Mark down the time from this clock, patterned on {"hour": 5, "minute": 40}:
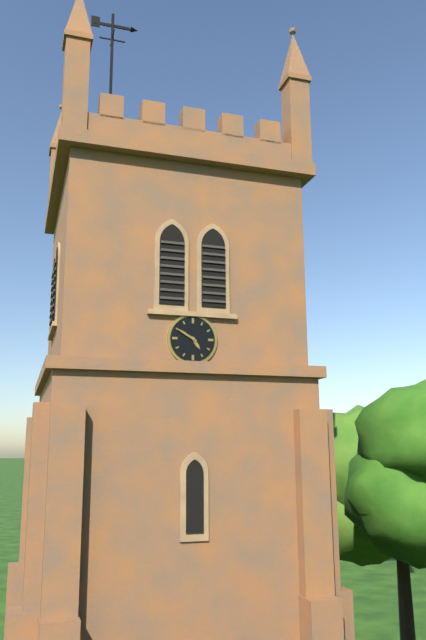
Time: {"hour": 4, "minute": 50}
